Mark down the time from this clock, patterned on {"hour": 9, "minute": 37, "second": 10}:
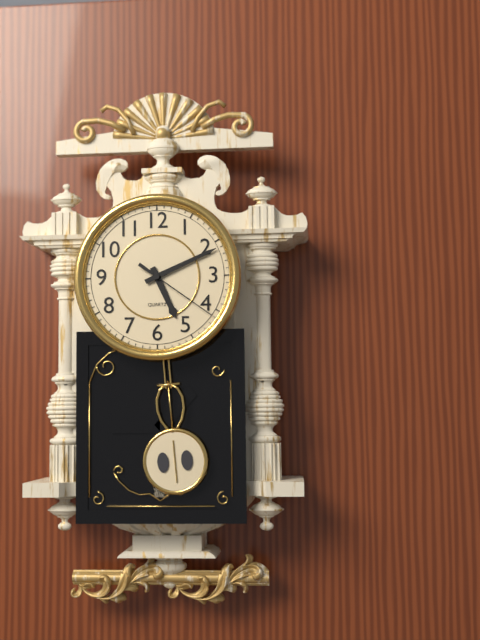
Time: {"hour": 5, "minute": 11, "second": 21}
